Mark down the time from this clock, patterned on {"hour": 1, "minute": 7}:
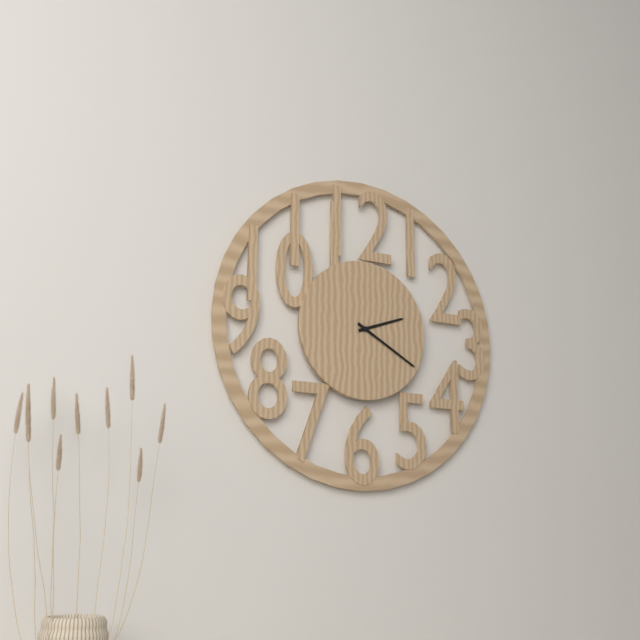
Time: {"hour": 2, "minute": 20}
